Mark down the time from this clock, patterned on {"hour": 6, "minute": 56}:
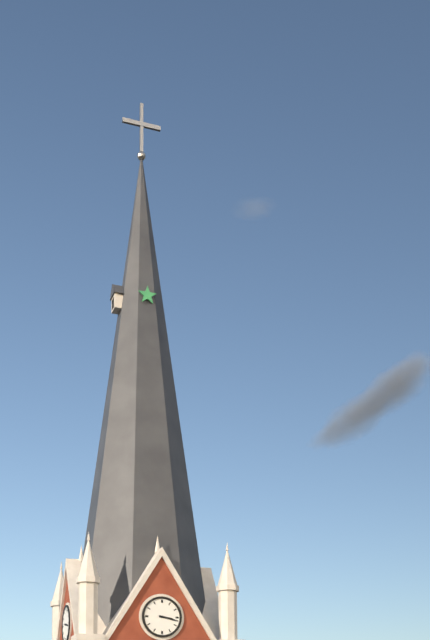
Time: {"hour": 3, "minute": 17}
